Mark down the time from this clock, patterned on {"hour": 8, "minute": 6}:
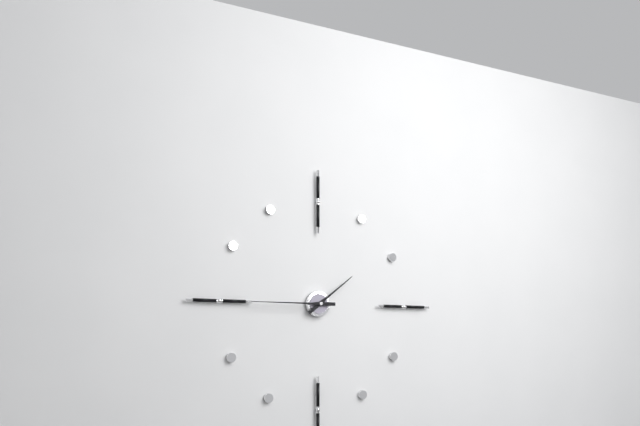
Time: {"hour": 1, "minute": 45}
